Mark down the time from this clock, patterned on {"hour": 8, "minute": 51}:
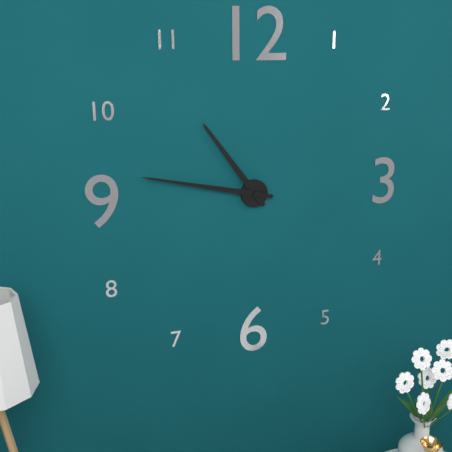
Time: {"hour": 10, "minute": 47}
